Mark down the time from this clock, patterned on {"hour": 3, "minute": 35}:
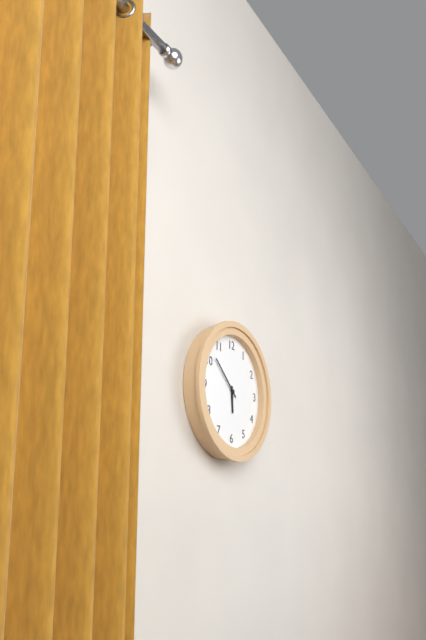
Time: {"hour": 5, "minute": 52}
